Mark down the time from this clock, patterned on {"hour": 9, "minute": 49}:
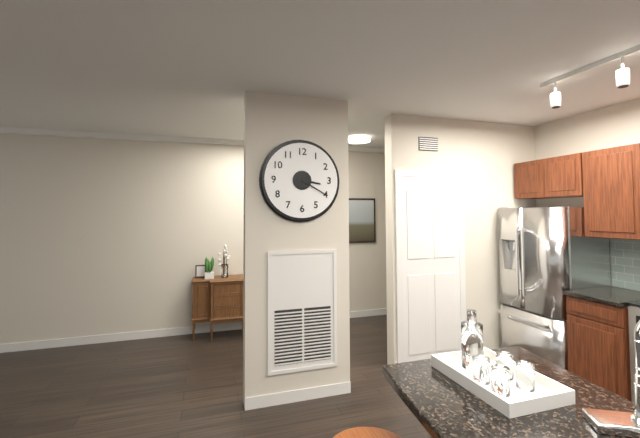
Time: {"hour": 3, "minute": 20}
